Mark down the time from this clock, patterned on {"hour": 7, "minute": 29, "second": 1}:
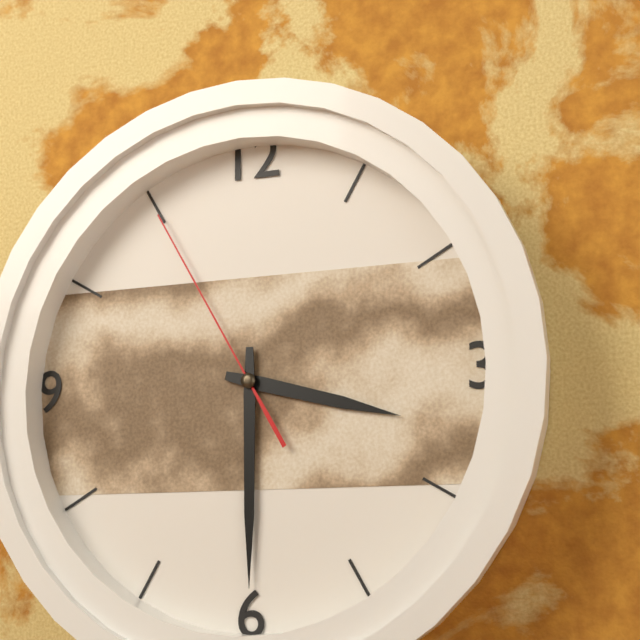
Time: {"hour": 3, "minute": 30, "second": 55}
